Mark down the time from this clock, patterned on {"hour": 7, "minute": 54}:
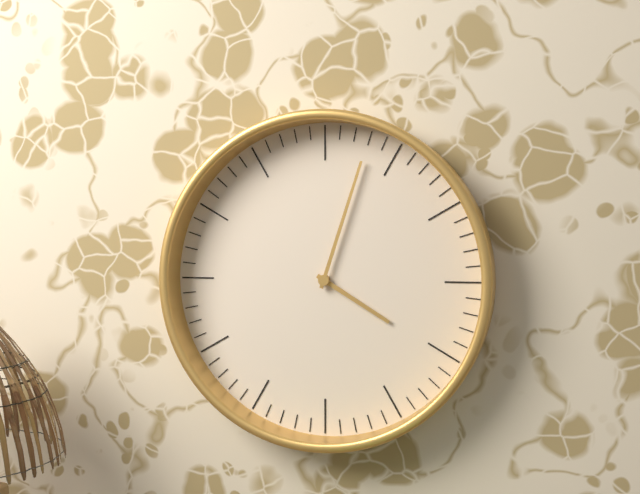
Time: {"hour": 4, "minute": 3}
